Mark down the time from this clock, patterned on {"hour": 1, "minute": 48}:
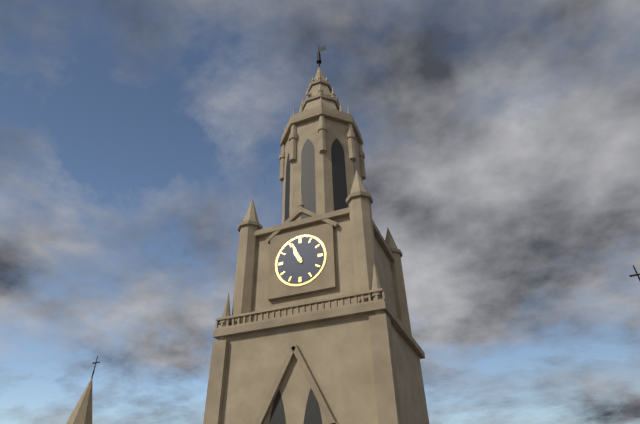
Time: {"hour": 10, "minute": 56}
